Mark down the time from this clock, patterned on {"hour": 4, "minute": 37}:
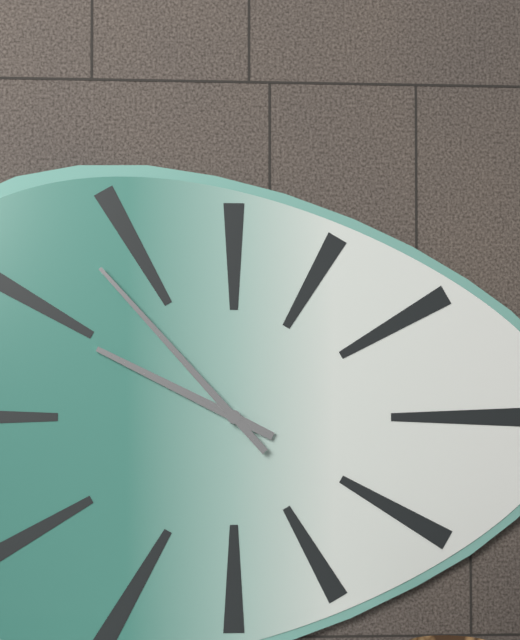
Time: {"hour": 9, "minute": 53}
